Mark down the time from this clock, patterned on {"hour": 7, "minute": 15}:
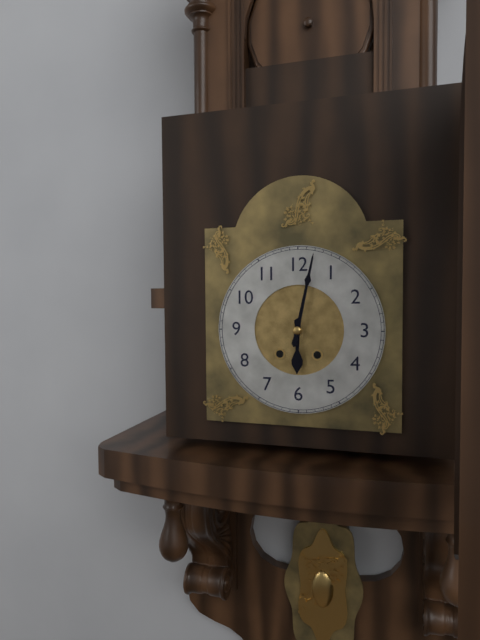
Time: {"hour": 6, "minute": 2}
